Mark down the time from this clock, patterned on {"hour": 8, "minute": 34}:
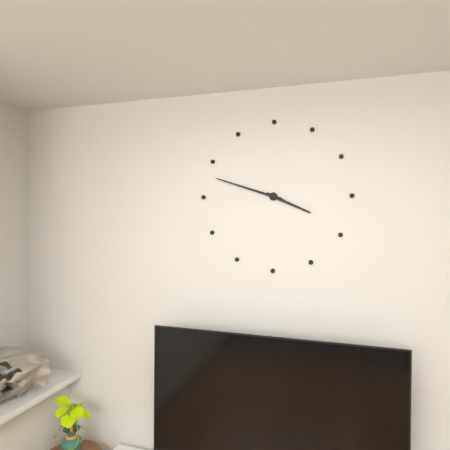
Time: {"hour": 3, "minute": 48}
